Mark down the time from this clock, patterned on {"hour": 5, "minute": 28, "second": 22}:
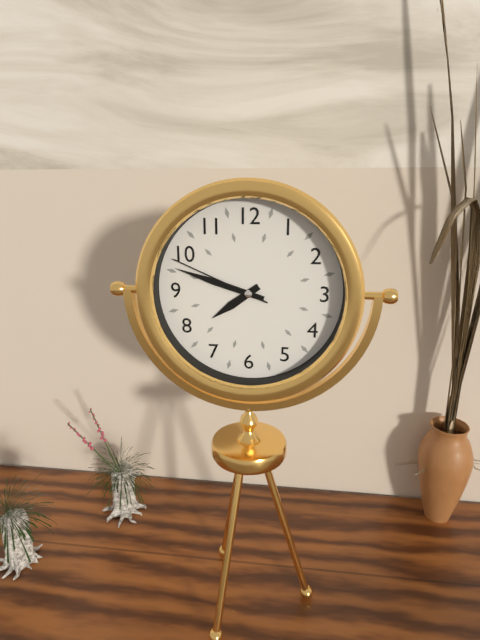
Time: {"hour": 7, "minute": 48, "second": 49}
